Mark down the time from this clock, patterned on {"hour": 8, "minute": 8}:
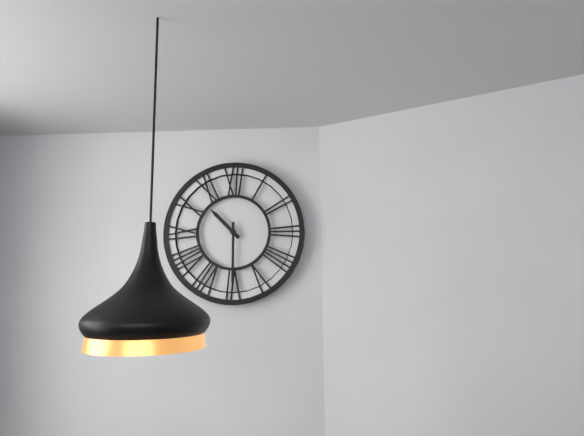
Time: {"hour": 10, "minute": 30}
